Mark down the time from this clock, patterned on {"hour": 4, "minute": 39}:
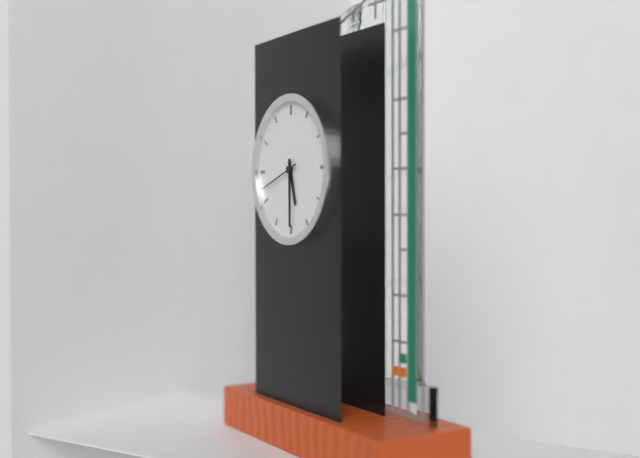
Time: {"hour": 5, "minute": 30}
